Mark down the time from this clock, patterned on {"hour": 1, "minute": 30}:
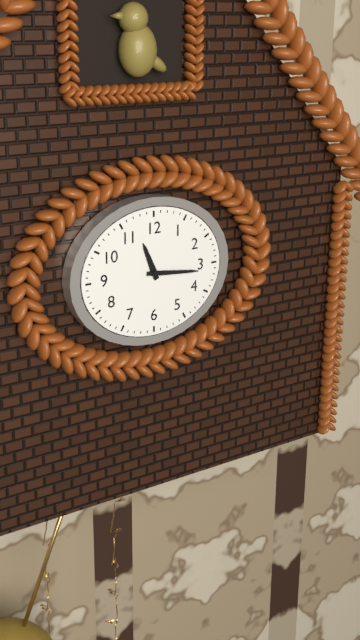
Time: {"hour": 11, "minute": 16}
